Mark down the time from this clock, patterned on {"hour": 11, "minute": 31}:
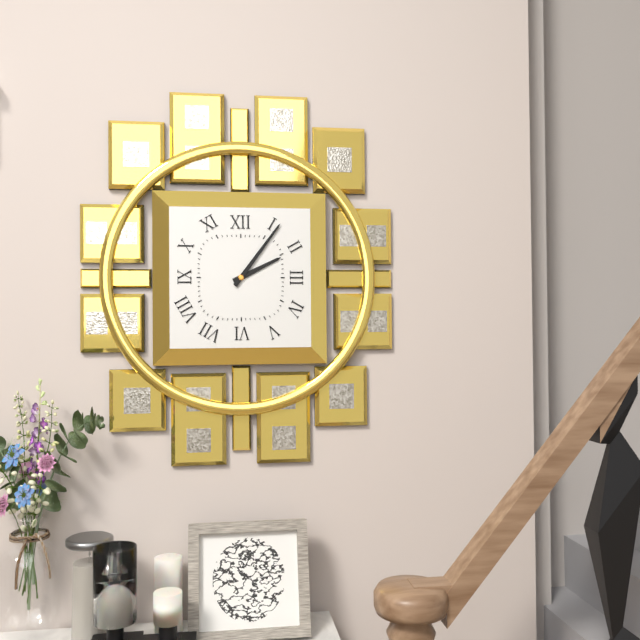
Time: {"hour": 2, "minute": 6}
